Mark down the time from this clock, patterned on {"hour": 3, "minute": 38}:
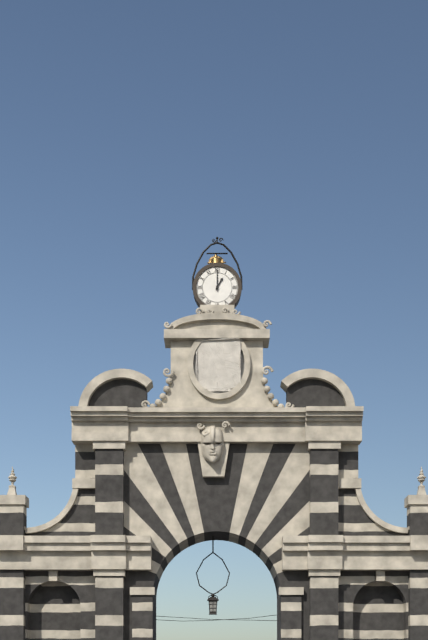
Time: {"hour": 1, "minute": 0}
